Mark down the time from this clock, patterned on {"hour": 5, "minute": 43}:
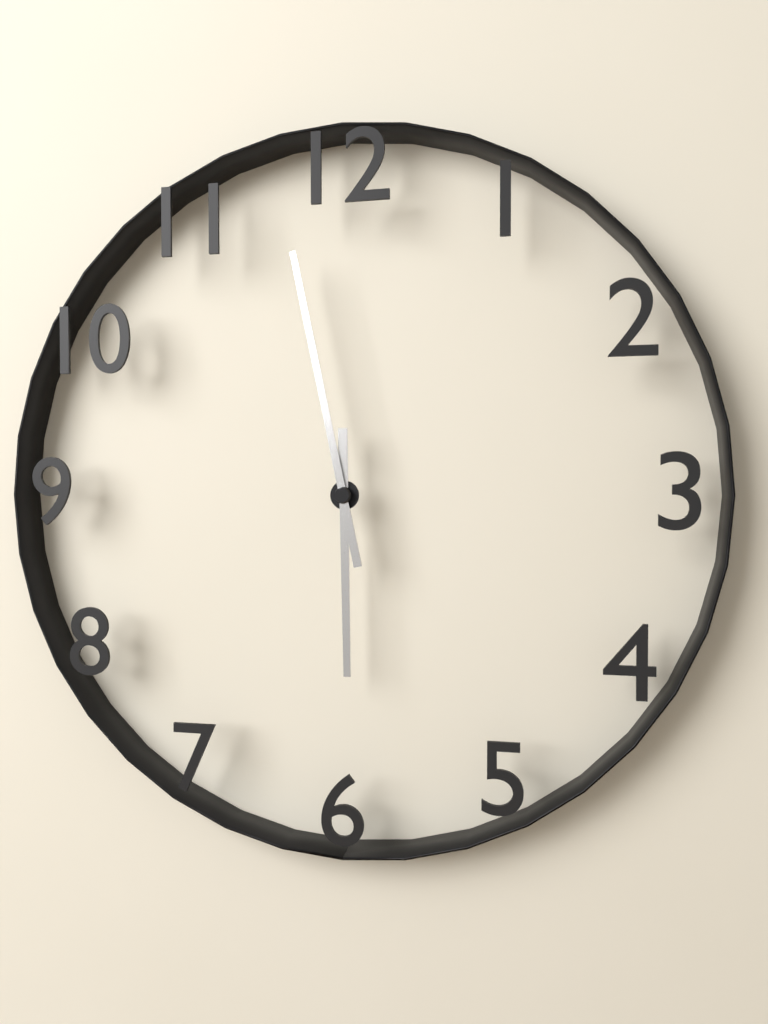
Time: {"hour": 5, "minute": 58}
